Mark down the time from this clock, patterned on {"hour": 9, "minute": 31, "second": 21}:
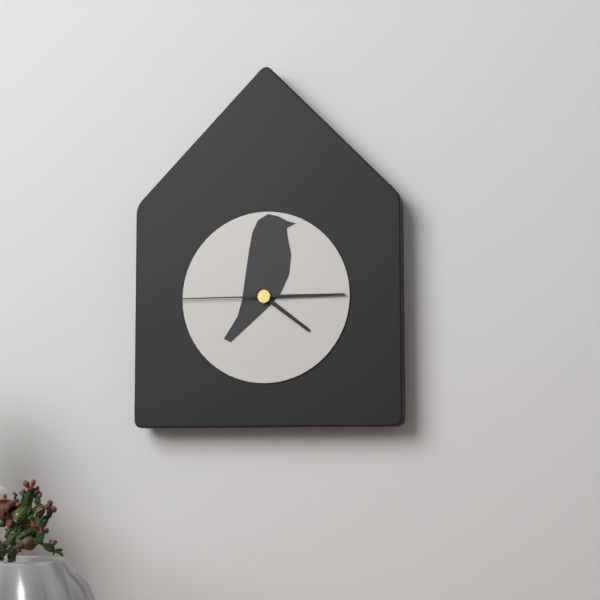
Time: {"hour": 4, "minute": 15, "second": 45}
